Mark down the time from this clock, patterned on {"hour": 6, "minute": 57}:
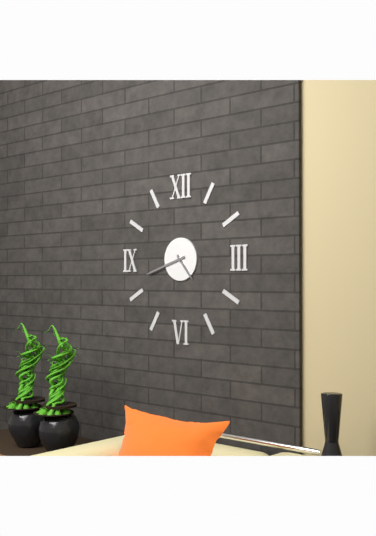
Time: {"hour": 4, "minute": 42}
